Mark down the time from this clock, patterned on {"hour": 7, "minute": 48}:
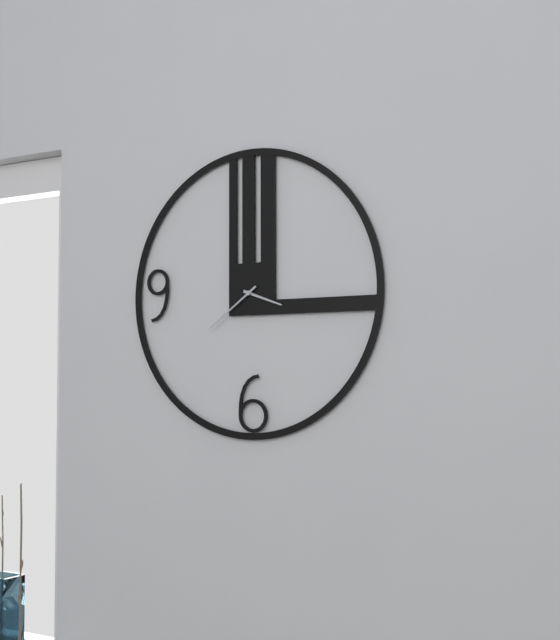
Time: {"hour": 3, "minute": 39}
